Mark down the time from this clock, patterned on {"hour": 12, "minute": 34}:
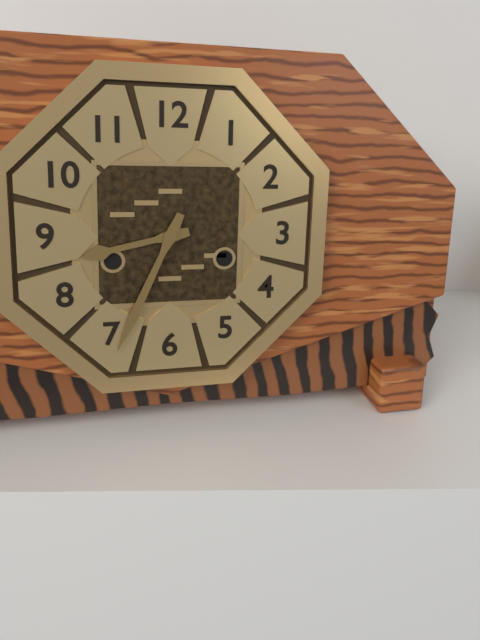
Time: {"hour": 8, "minute": 34}
